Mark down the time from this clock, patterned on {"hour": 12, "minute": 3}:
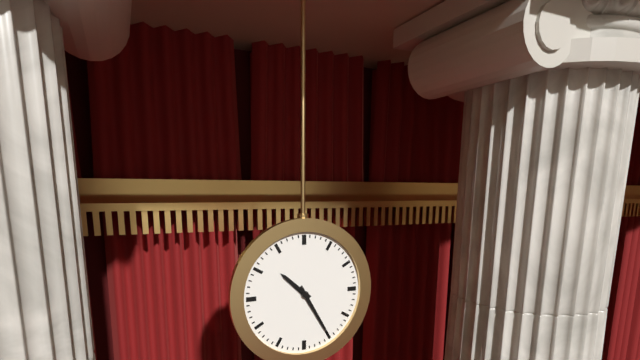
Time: {"hour": 10, "minute": 25}
